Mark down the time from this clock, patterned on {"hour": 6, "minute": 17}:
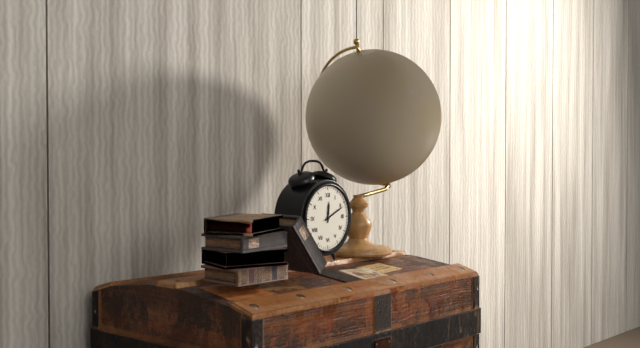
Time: {"hour": 12, "minute": 11}
